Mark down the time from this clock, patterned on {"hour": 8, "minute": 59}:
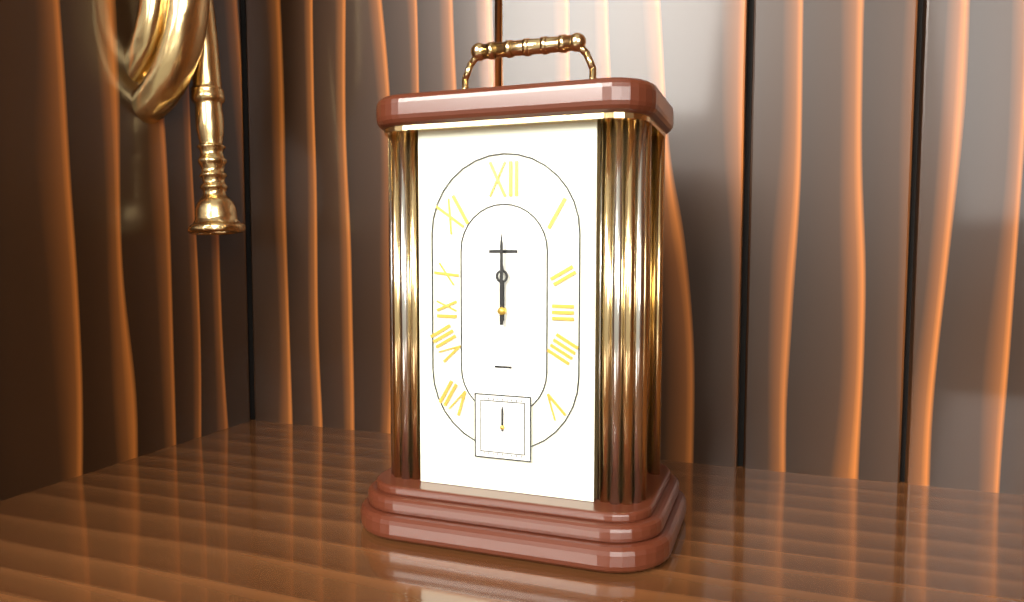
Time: {"hour": 12, "minute": 0}
